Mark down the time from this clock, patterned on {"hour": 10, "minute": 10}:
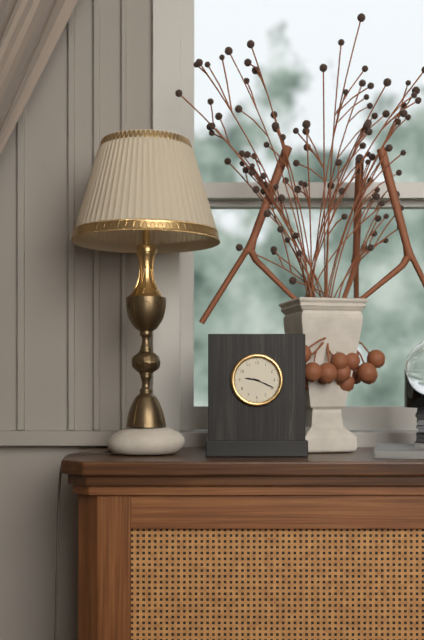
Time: {"hour": 9, "minute": 19}
